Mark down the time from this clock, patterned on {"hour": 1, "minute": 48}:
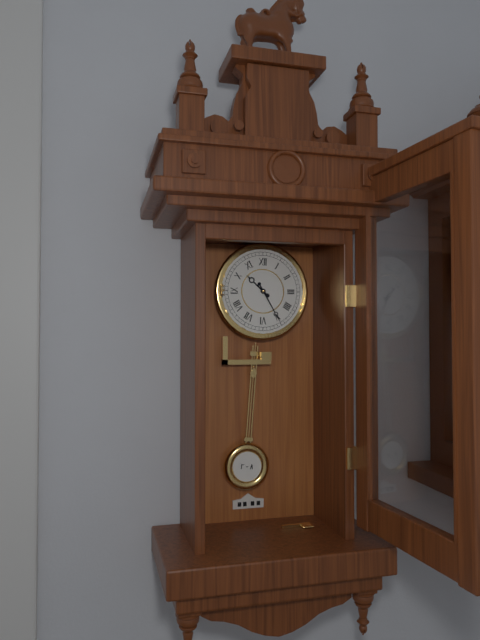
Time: {"hour": 10, "minute": 25}
